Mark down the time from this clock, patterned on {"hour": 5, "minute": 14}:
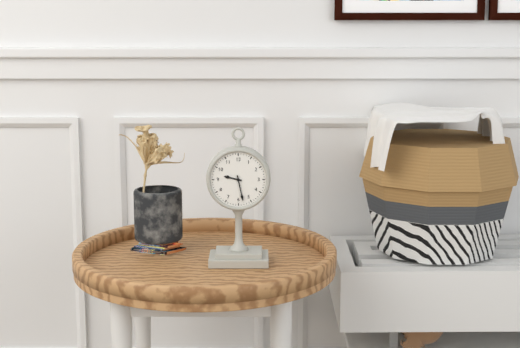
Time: {"hour": 9, "minute": 28}
